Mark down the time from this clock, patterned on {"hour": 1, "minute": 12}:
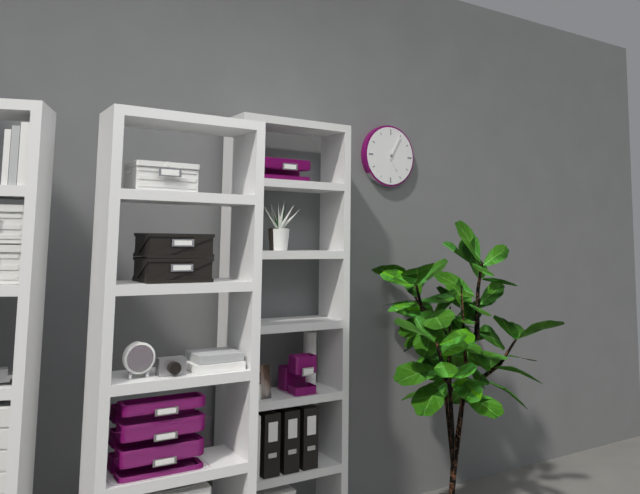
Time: {"hour": 5, "minute": 5}
